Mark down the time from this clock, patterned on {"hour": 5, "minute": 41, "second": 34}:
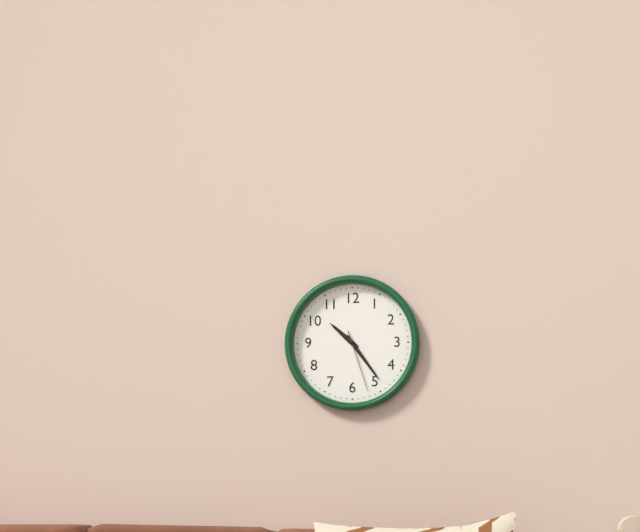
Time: {"hour": 10, "minute": 24, "second": 27}
